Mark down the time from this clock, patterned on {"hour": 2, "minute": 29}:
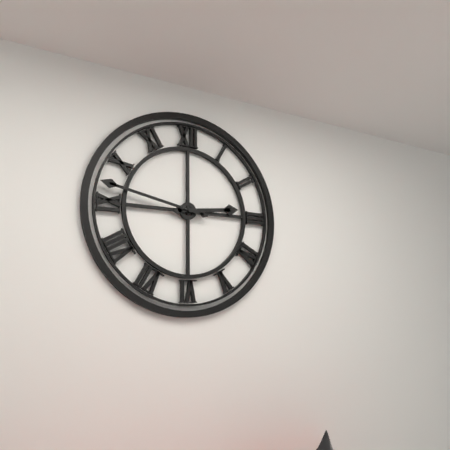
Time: {"hour": 2, "minute": 47}
